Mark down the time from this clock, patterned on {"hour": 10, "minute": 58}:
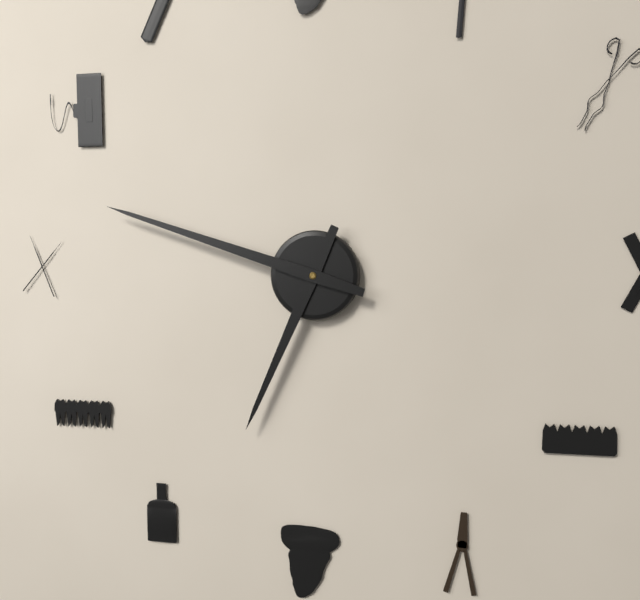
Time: {"hour": 6, "minute": 48}
